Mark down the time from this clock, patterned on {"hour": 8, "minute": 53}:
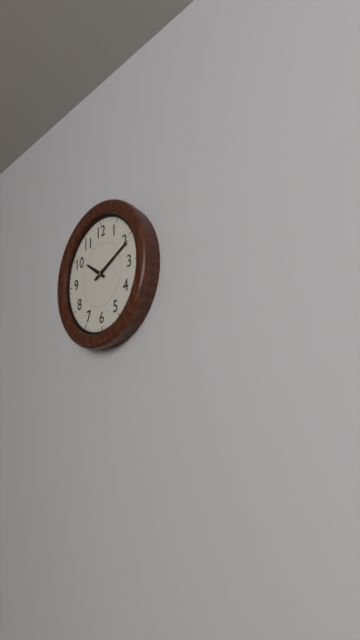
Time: {"hour": 10, "minute": 11}
